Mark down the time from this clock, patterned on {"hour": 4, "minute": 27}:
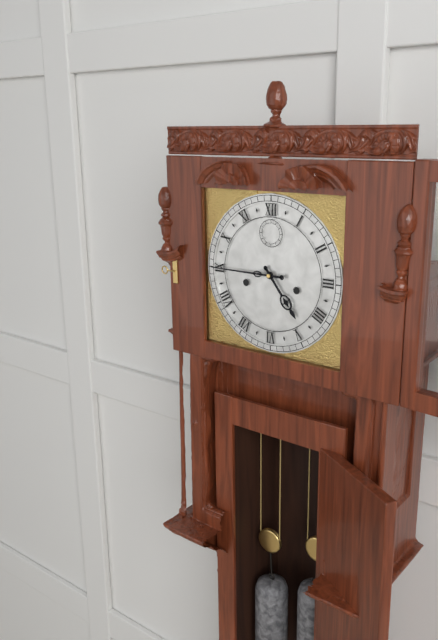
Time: {"hour": 4, "minute": 45}
